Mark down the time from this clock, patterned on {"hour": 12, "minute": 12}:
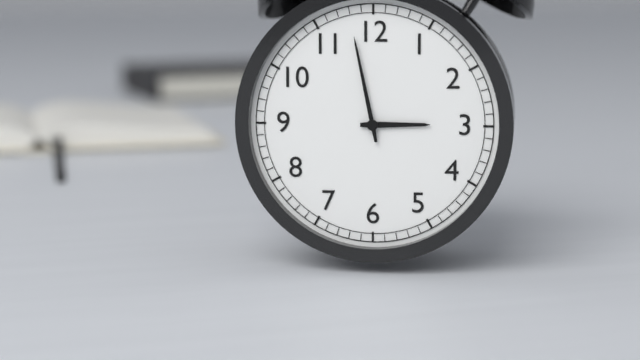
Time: {"hour": 2, "minute": 58}
